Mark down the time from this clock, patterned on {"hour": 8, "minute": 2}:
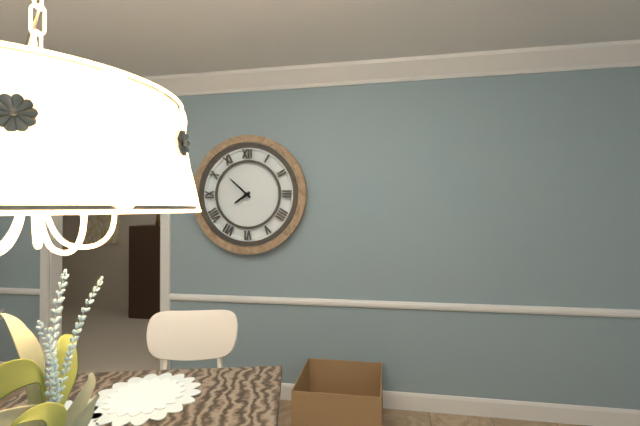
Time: {"hour": 7, "minute": 52}
